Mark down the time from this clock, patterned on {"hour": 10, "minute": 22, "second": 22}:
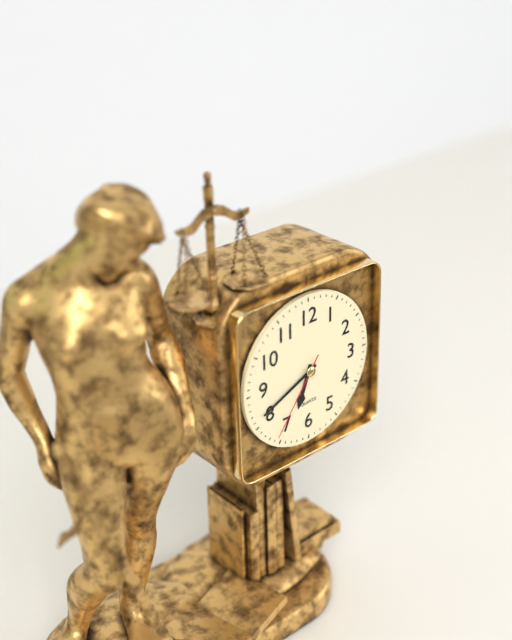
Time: {"hour": 6, "minute": 41, "second": 36}
